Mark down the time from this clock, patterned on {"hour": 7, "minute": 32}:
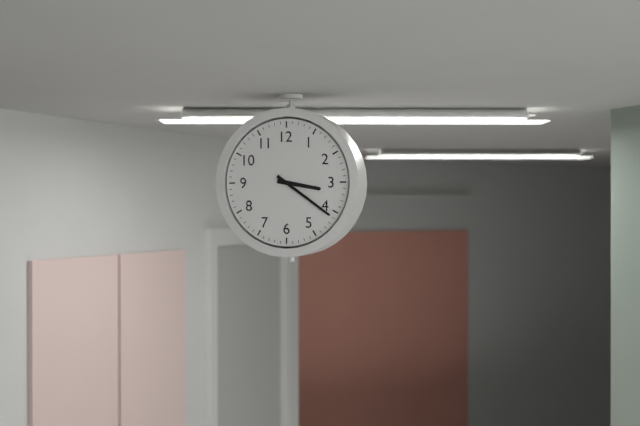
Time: {"hour": 3, "minute": 21}
